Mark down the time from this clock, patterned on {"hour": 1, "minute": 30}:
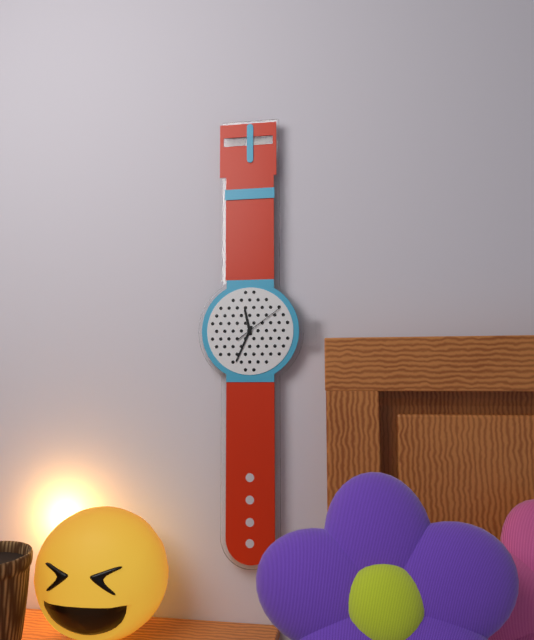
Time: {"hour": 11, "minute": 34}
